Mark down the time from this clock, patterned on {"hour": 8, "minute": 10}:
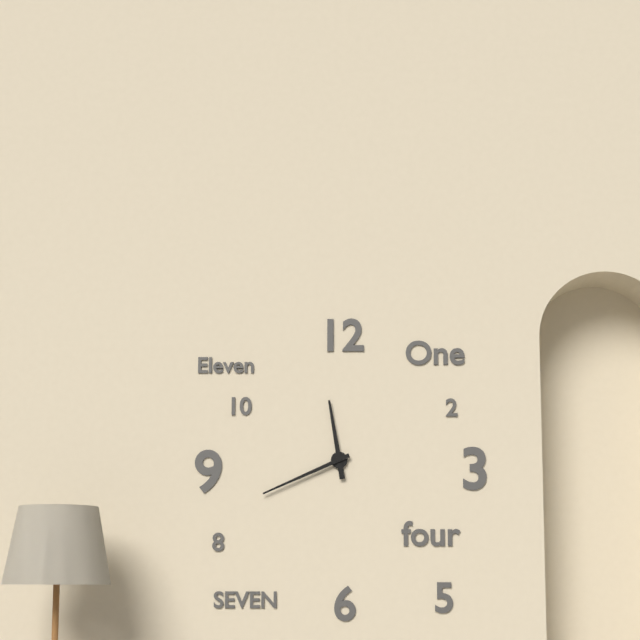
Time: {"hour": 11, "minute": 41}
